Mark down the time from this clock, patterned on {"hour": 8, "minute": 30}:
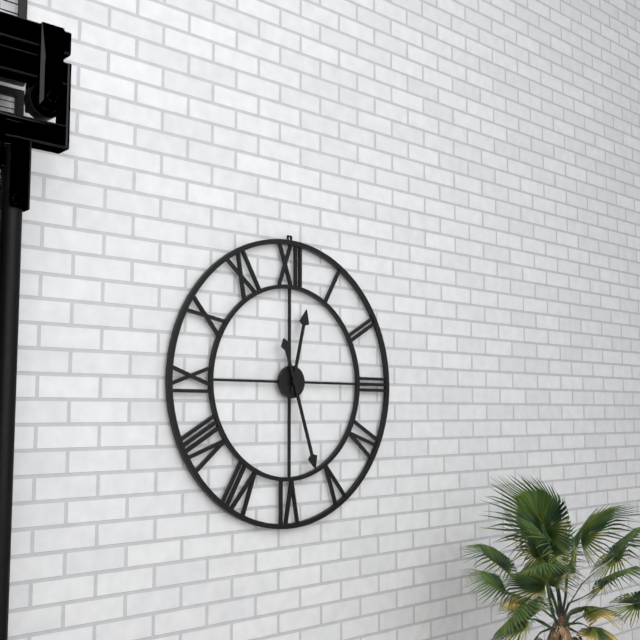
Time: {"hour": 12, "minute": 27}
